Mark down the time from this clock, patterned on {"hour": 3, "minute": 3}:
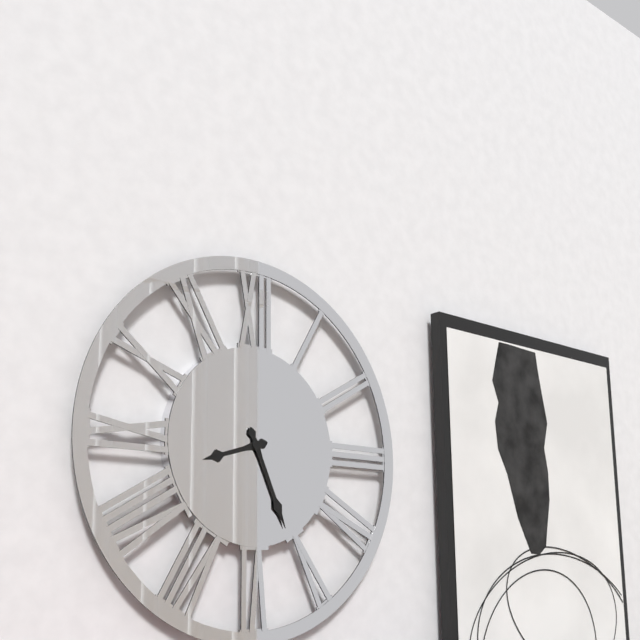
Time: {"hour": 8, "minute": 26}
